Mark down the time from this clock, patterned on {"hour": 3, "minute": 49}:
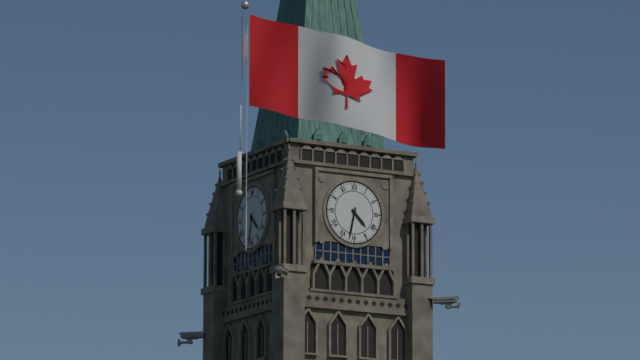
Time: {"hour": 4, "minute": 32}
